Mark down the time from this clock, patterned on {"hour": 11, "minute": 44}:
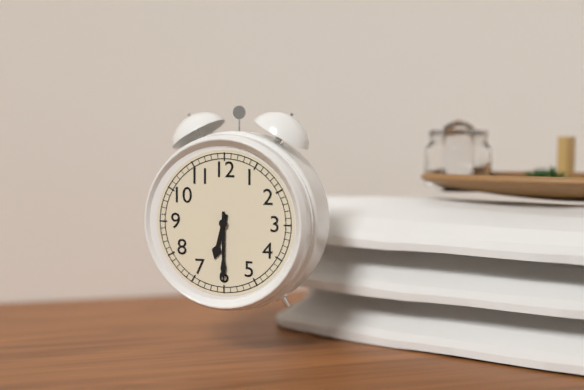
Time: {"hour": 6, "minute": 30}
